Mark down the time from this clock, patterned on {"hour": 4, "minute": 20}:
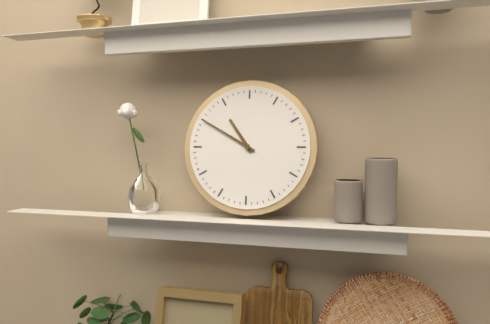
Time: {"hour": 10, "minute": 50}
